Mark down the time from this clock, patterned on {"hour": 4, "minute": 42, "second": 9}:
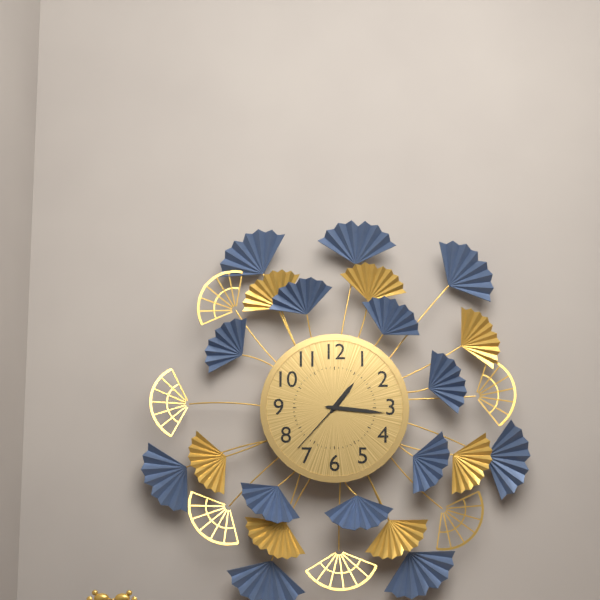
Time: {"hour": 1, "minute": 16, "second": 37}
